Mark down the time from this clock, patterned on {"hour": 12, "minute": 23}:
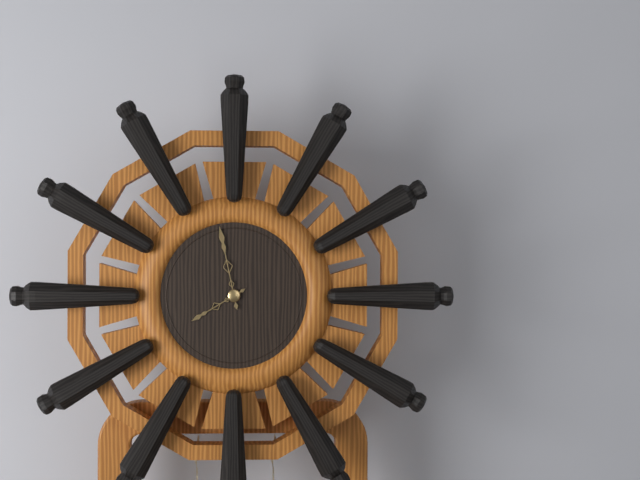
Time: {"hour": 7, "minute": 58}
